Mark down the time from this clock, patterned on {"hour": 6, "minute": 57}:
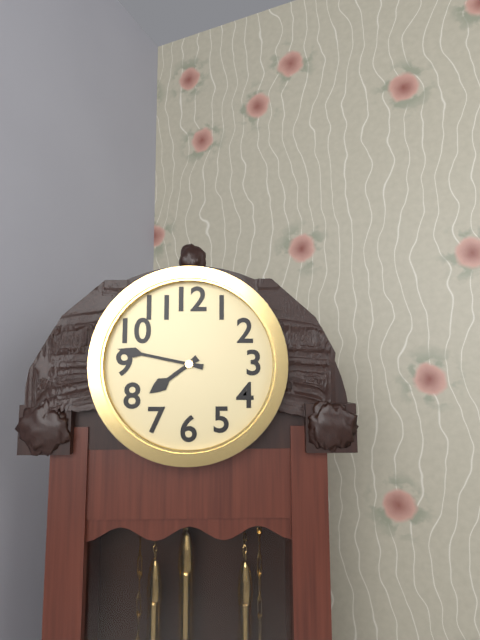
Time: {"hour": 7, "minute": 47}
